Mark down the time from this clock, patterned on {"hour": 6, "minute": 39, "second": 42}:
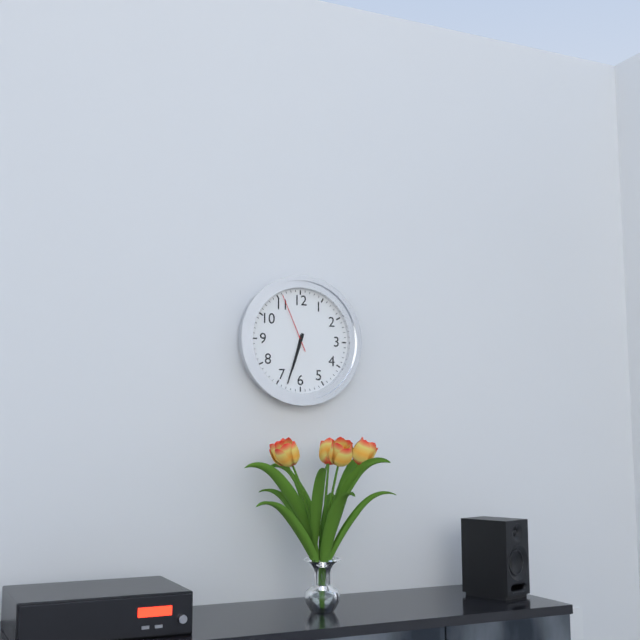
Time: {"hour": 6, "minute": 33, "second": 56}
